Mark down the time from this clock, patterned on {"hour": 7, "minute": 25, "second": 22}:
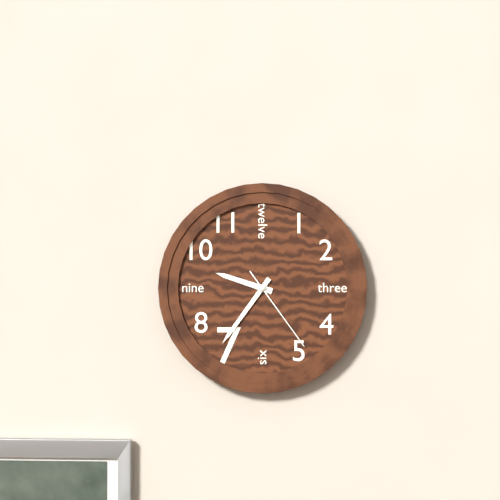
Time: {"hour": 9, "minute": 36, "second": 24}
